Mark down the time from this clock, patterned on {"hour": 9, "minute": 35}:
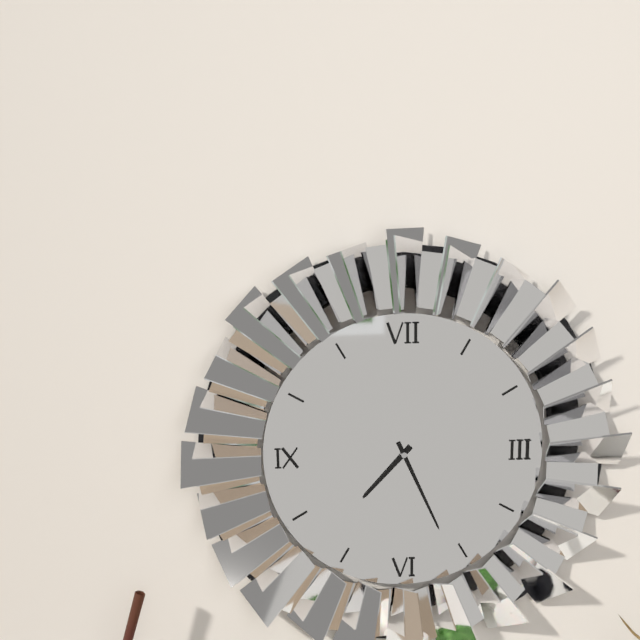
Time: {"hour": 7, "minute": 26}
